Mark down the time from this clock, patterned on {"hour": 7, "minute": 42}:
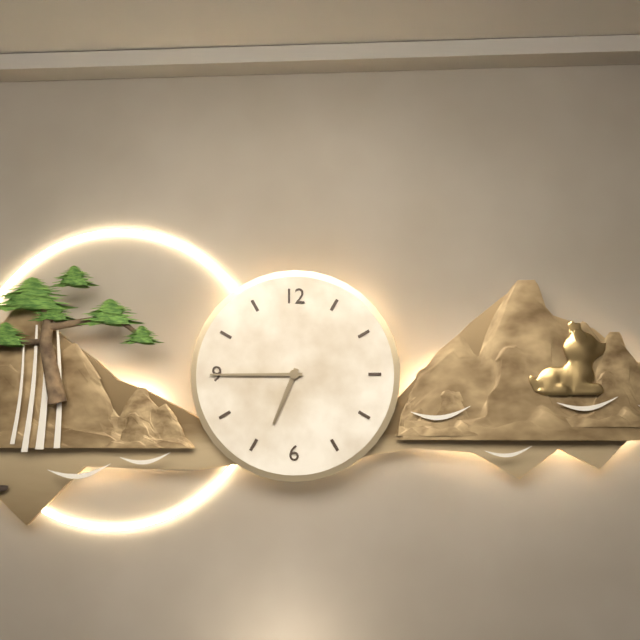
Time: {"hour": 6, "minute": 45}
